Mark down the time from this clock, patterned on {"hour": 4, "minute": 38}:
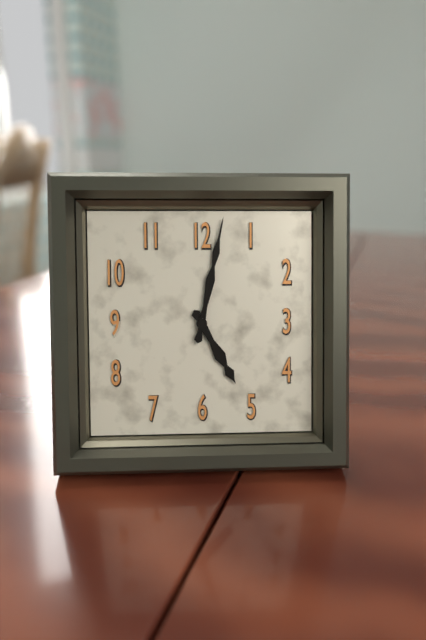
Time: {"hour": 5, "minute": 2}
